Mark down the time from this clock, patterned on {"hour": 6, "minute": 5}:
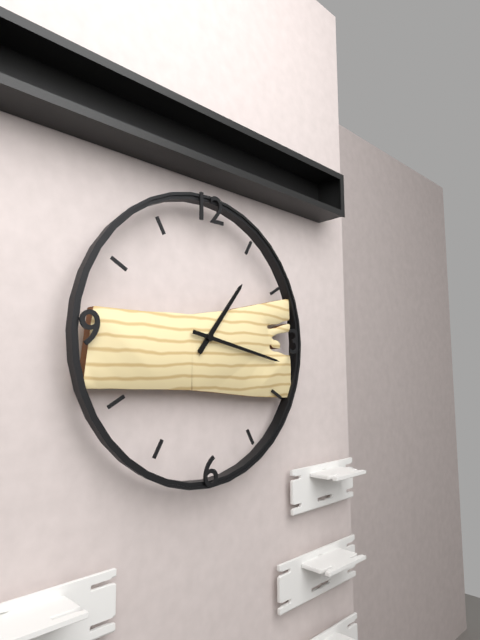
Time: {"hour": 1, "minute": 17}
